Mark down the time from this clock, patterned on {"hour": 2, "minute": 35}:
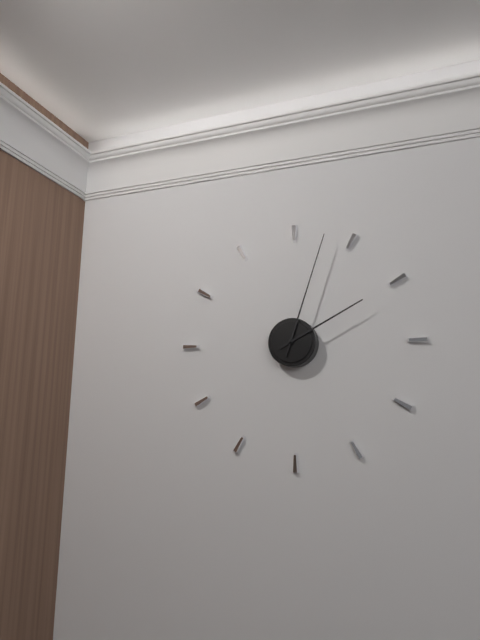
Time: {"hour": 2, "minute": 3}
